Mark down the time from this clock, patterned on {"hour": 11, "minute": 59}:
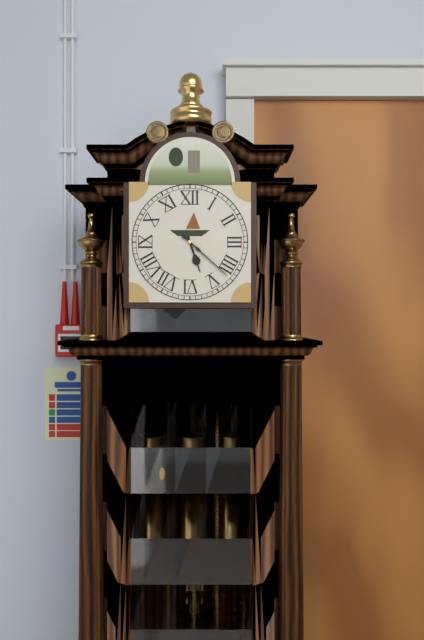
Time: {"hour": 5, "minute": 22}
